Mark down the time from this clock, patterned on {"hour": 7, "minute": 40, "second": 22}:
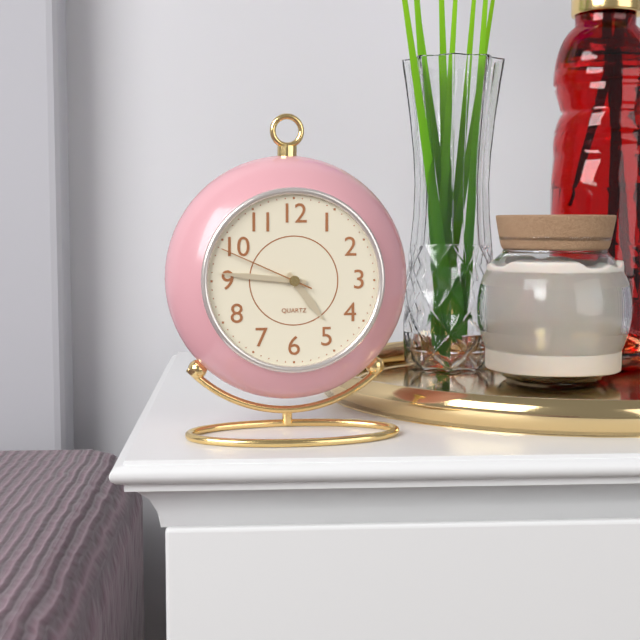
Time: {"hour": 4, "minute": 46, "second": 49}
